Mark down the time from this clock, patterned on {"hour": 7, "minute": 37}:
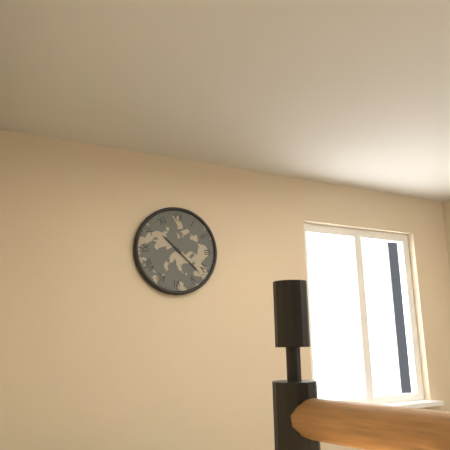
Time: {"hour": 10, "minute": 22}
